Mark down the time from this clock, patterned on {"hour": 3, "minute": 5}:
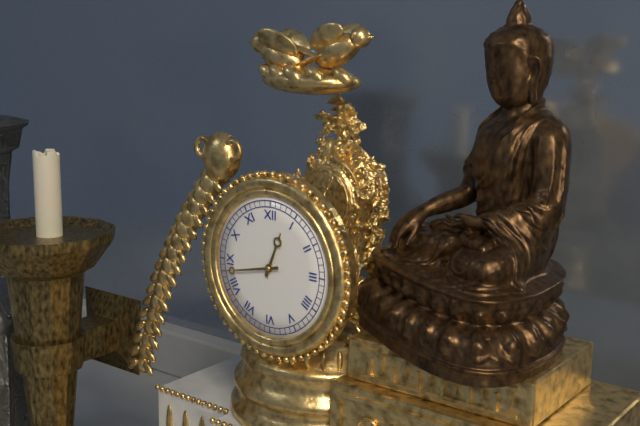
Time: {"hour": 12, "minute": 43}
